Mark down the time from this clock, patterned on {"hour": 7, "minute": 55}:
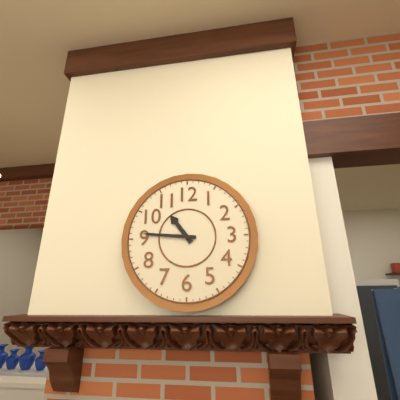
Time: {"hour": 10, "minute": 46}
